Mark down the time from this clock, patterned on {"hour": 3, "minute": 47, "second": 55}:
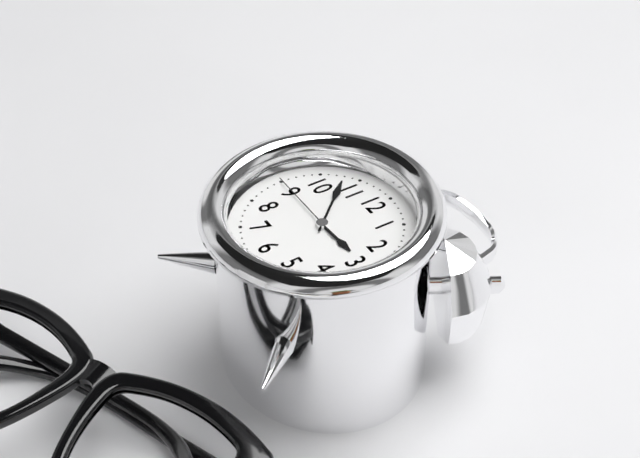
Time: {"hour": 2, "minute": 53, "second": 45}
